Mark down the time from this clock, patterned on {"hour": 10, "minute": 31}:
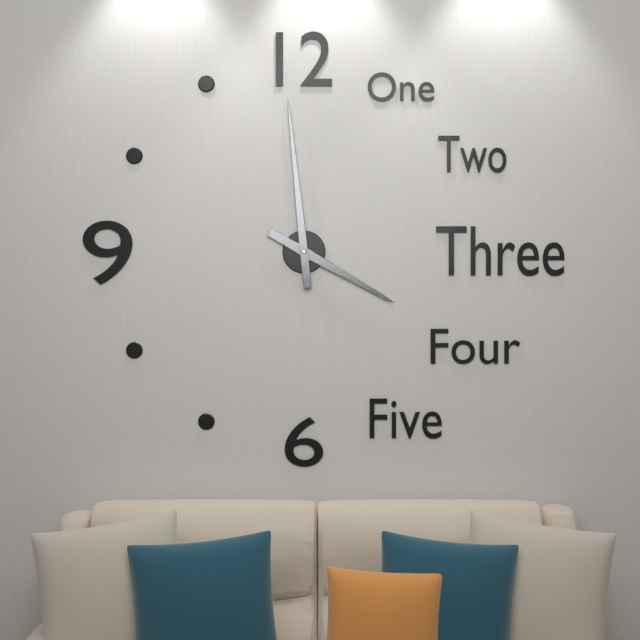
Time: {"hour": 3, "minute": 59}
